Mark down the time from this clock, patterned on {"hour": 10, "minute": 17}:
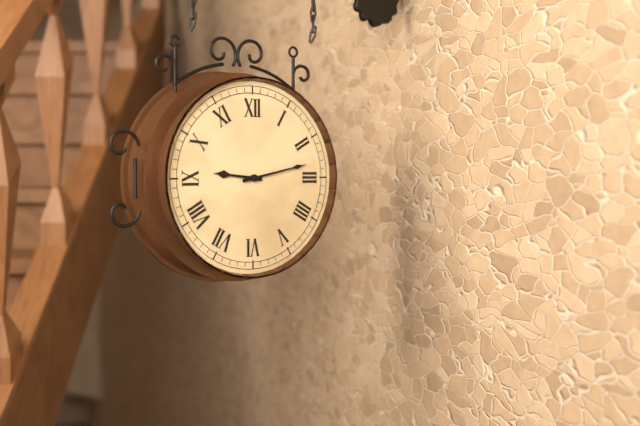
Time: {"hour": 9, "minute": 13}
